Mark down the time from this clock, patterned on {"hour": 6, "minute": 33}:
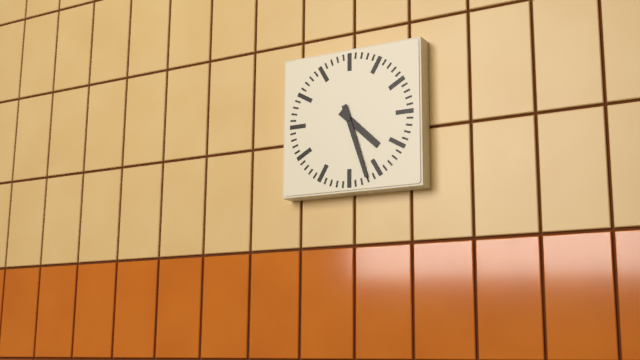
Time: {"hour": 4, "minute": 27}
